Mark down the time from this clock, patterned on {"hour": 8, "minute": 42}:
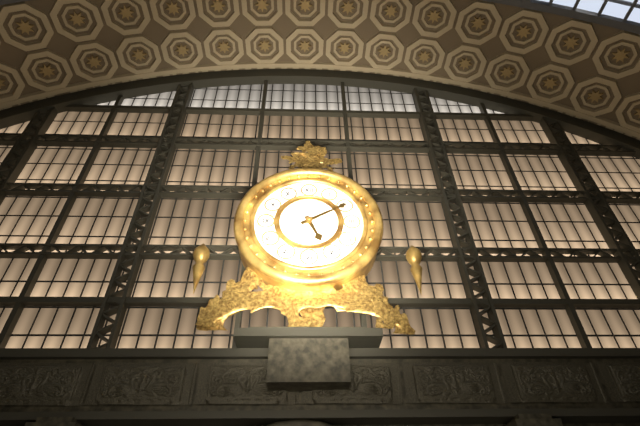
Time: {"hour": 5, "minute": 10}
